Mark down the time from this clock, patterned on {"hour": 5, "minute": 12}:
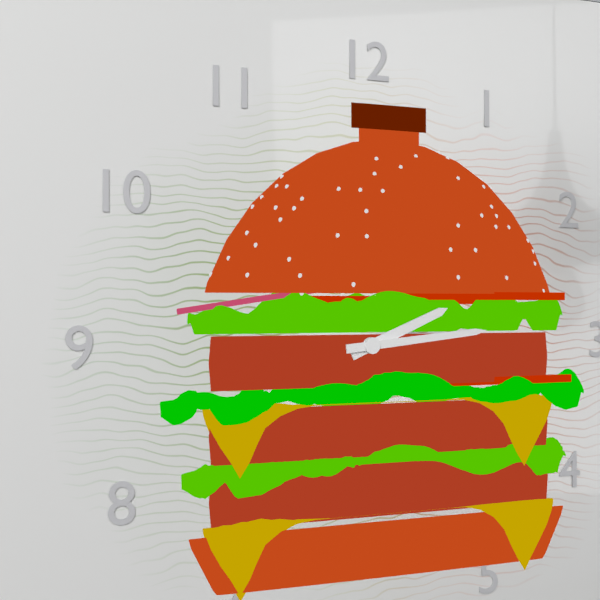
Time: {"hour": 2, "minute": 14}
